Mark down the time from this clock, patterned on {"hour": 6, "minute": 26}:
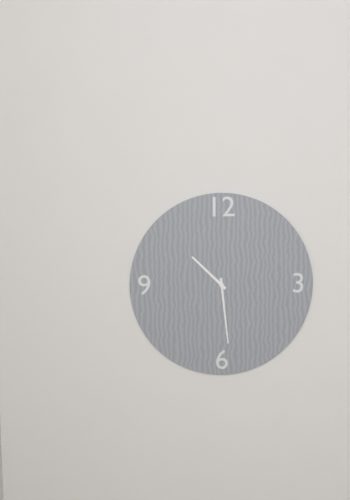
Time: {"hour": 10, "minute": 29}
